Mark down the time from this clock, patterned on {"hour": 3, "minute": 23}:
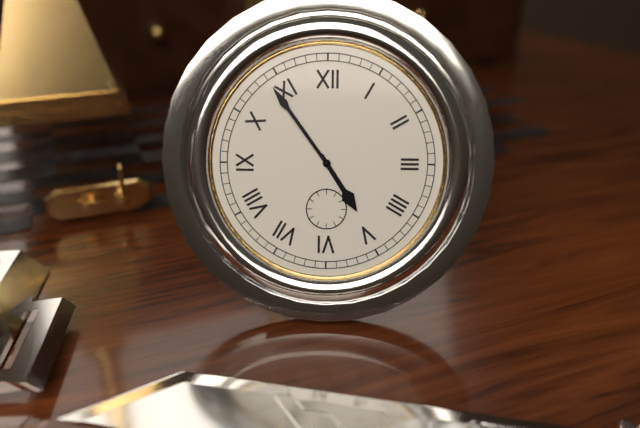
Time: {"hour": 4, "minute": 54}
